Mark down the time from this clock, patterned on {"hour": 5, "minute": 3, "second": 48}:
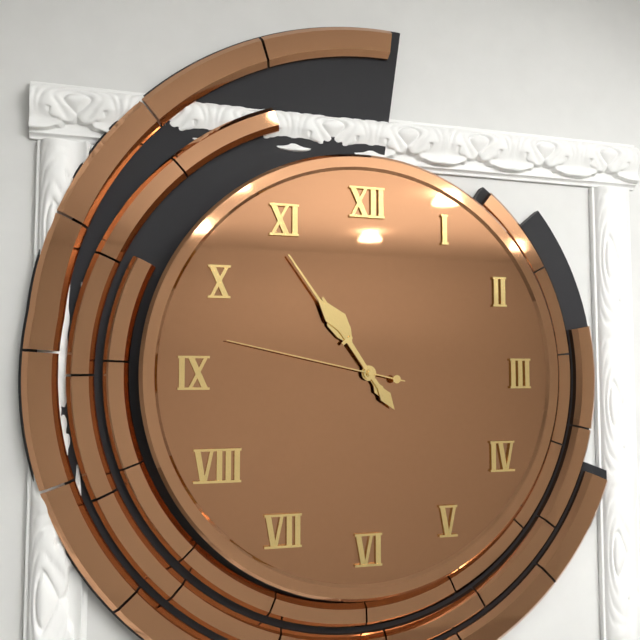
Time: {"hour": 10, "minute": 54, "second": 47}
